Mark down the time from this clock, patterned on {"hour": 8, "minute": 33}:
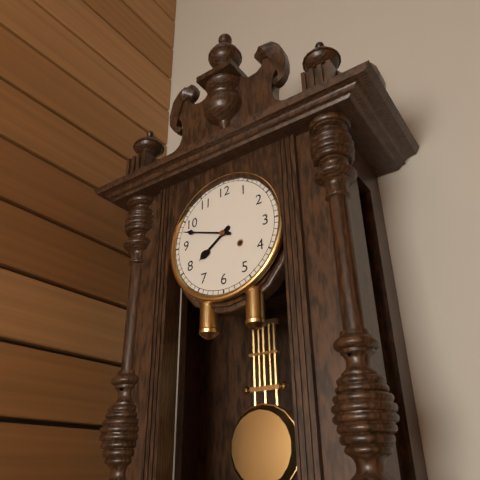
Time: {"hour": 7, "minute": 48}
